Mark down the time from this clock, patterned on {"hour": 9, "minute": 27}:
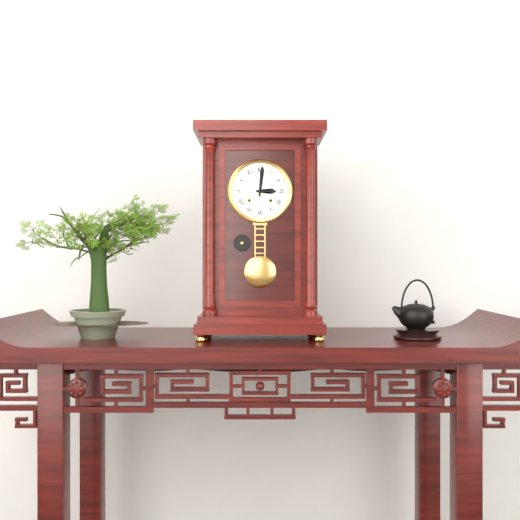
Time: {"hour": 3, "minute": 1}
